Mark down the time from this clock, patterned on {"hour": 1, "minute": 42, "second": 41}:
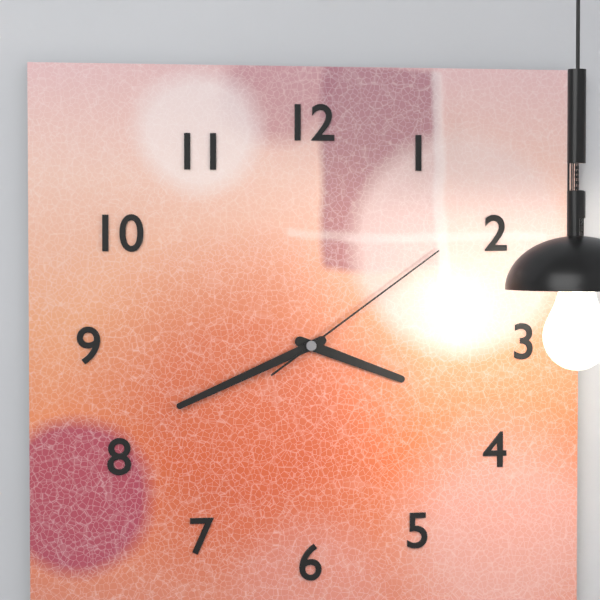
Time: {"hour": 3, "minute": 41, "second": 9}
